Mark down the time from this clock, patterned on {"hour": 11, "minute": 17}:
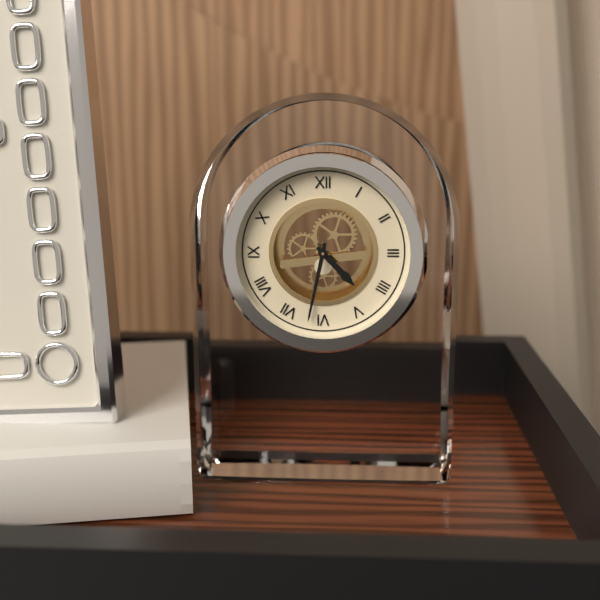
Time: {"hour": 4, "minute": 32}
